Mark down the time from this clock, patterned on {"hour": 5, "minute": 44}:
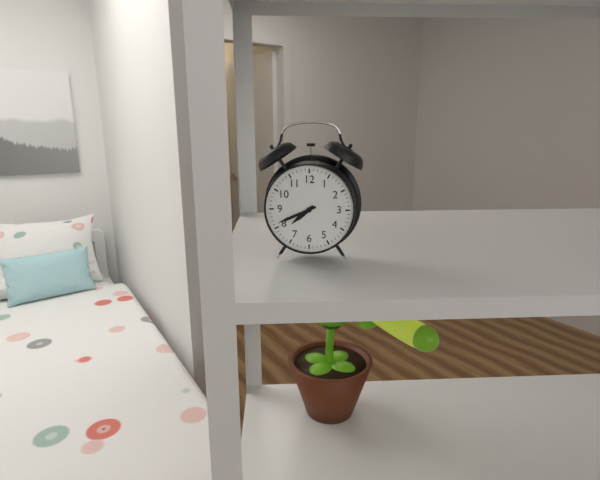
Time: {"hour": 7, "minute": 41}
